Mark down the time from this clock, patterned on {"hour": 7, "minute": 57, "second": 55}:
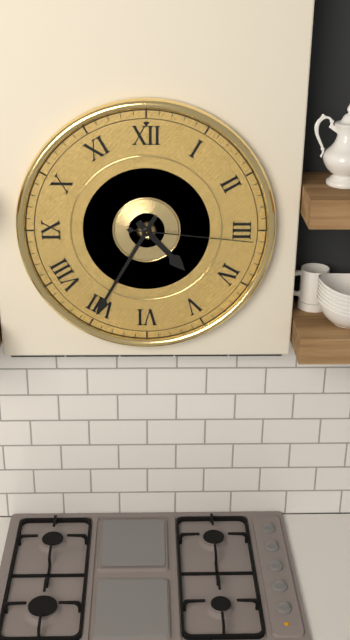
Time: {"hour": 4, "minute": 35, "second": 16}
